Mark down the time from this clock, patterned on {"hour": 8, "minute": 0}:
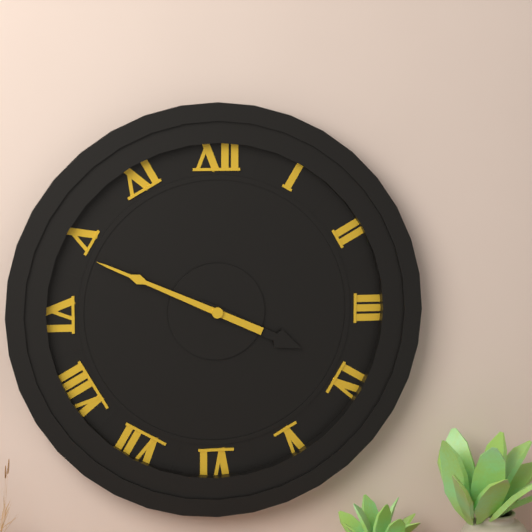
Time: {"hour": 3, "minute": 49}
